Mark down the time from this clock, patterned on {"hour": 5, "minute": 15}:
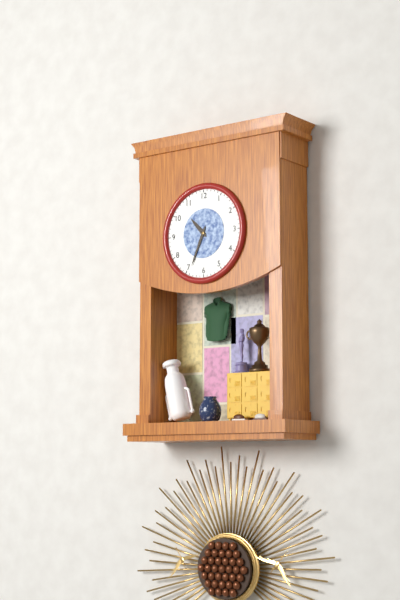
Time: {"hour": 10, "minute": 34}
